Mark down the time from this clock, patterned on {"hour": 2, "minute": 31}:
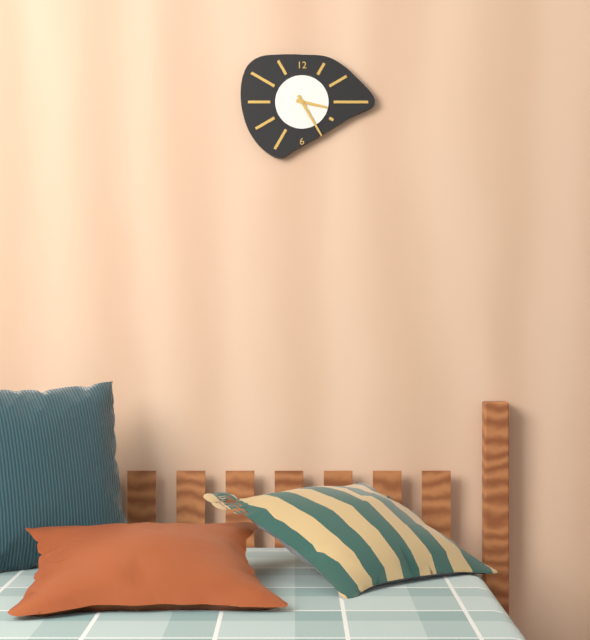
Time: {"hour": 3, "minute": 25}
